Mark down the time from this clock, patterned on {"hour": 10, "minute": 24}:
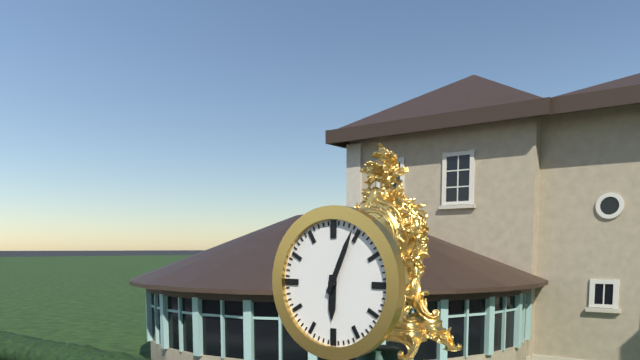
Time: {"hour": 6, "minute": 4}
